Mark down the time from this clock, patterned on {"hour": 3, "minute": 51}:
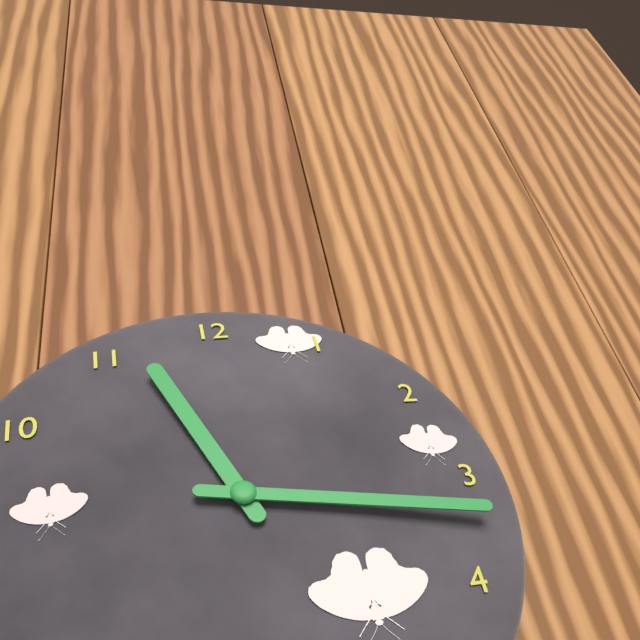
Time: {"hour": 11, "minute": 17}
